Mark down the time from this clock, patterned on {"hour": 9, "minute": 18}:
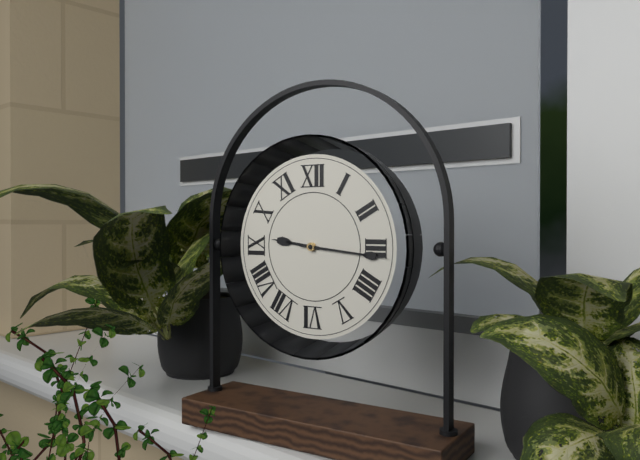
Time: {"hour": 9, "minute": 16}
